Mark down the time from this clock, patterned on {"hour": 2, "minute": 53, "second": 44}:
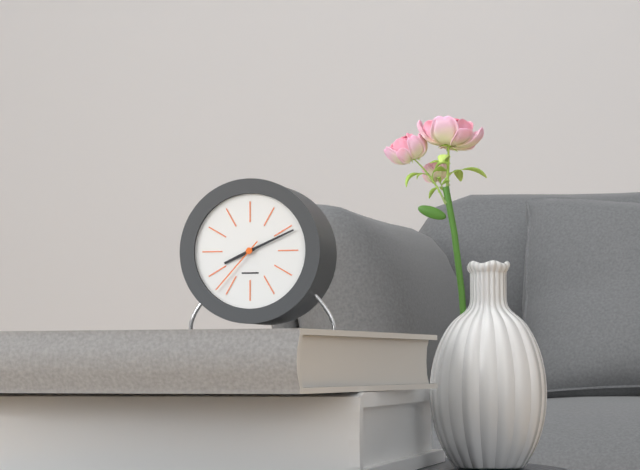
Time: {"hour": 8, "minute": 11, "second": 37}
